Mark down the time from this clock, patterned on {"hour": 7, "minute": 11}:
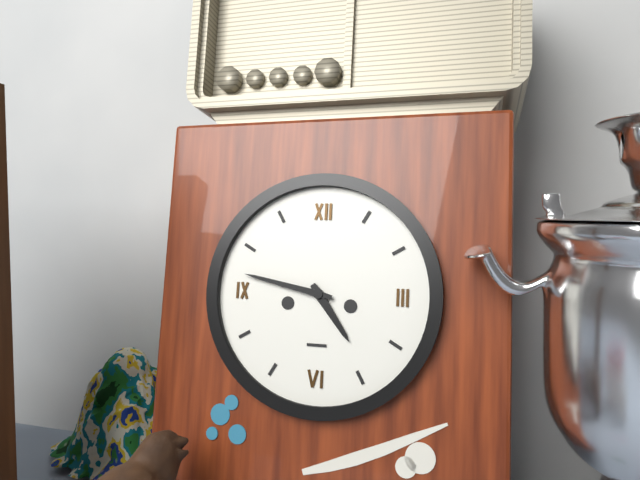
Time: {"hour": 4, "minute": 47}
